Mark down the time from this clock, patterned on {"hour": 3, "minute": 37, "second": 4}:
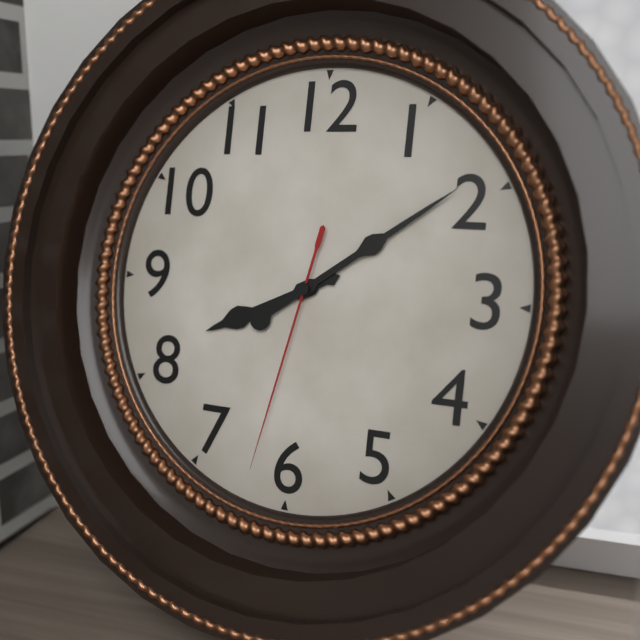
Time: {"hour": 8, "minute": 9, "second": 32}
